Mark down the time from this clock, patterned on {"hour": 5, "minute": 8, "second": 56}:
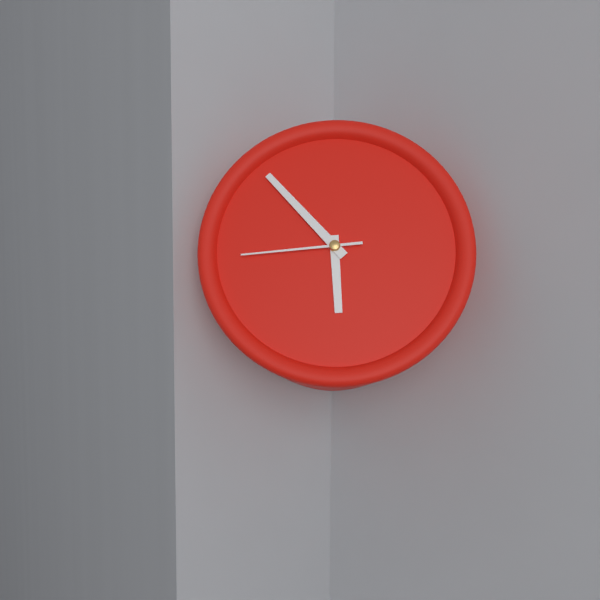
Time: {"hour": 5, "minute": 53, "second": 44}
